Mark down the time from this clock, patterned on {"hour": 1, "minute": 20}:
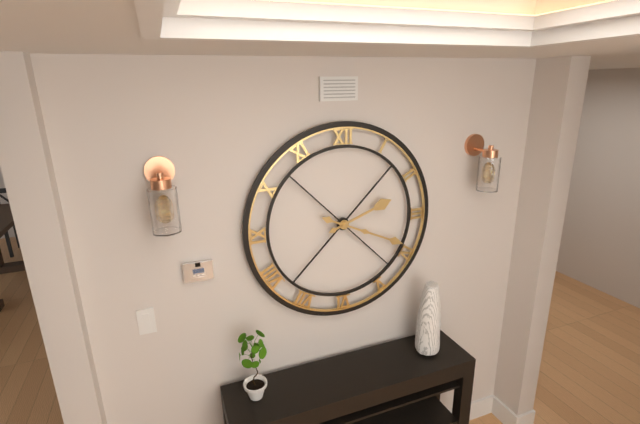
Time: {"hour": 2, "minute": 19}
